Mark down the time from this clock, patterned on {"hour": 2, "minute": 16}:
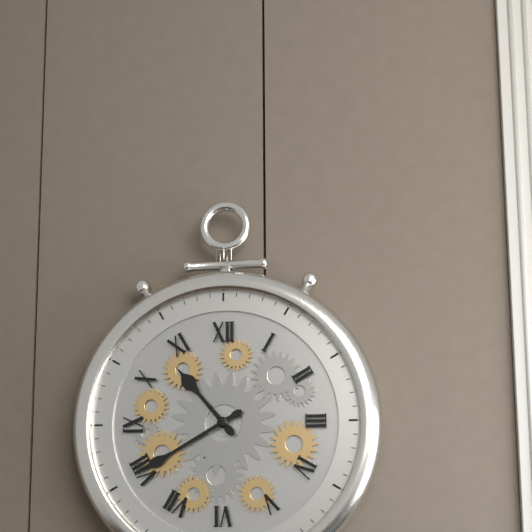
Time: {"hour": 10, "minute": 40}
